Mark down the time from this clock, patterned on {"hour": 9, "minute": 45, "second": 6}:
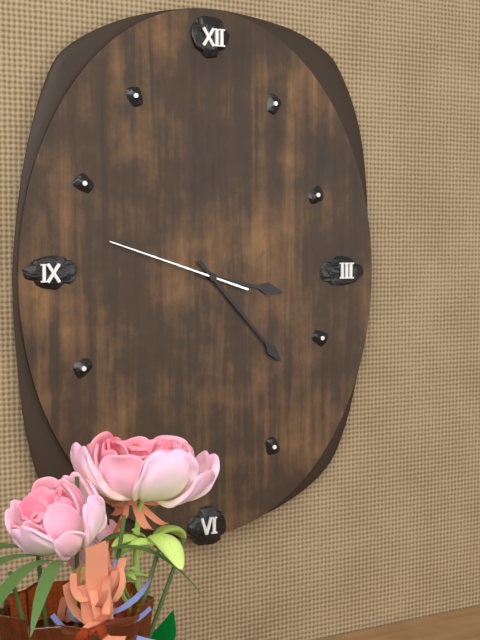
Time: {"hour": 3, "minute": 23, "second": 48}
